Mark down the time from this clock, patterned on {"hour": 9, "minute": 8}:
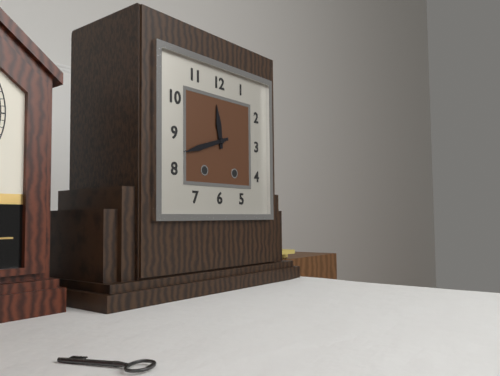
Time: {"hour": 11, "minute": 42}
